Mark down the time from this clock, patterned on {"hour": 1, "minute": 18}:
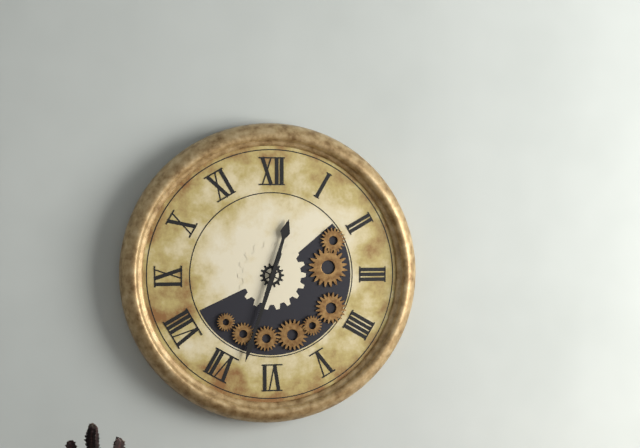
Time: {"hour": 12, "minute": 33}
